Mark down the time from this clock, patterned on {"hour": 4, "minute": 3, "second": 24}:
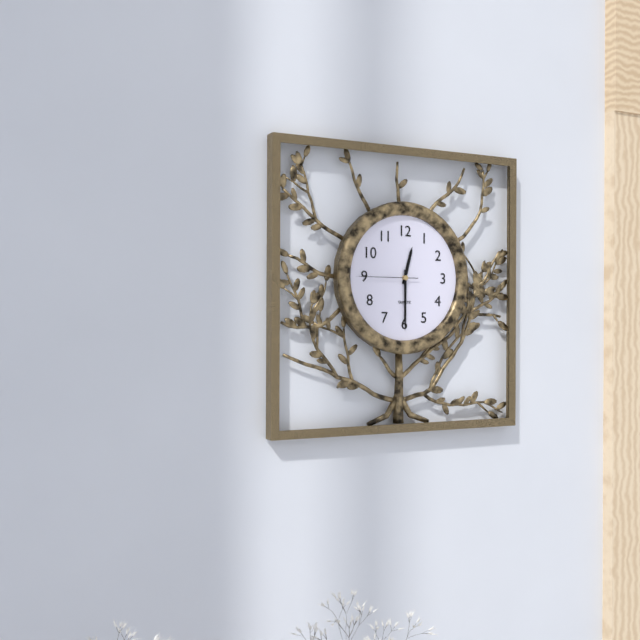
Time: {"hour": 12, "minute": 30, "second": 45}
